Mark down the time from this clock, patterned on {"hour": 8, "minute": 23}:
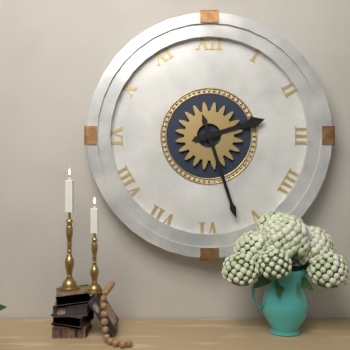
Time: {"hour": 2, "minute": 27}
